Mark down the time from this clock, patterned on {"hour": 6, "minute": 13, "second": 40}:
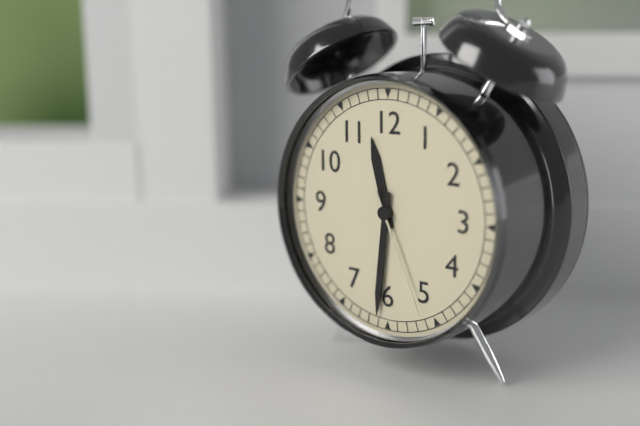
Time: {"hour": 11, "minute": 31, "second": 26}
